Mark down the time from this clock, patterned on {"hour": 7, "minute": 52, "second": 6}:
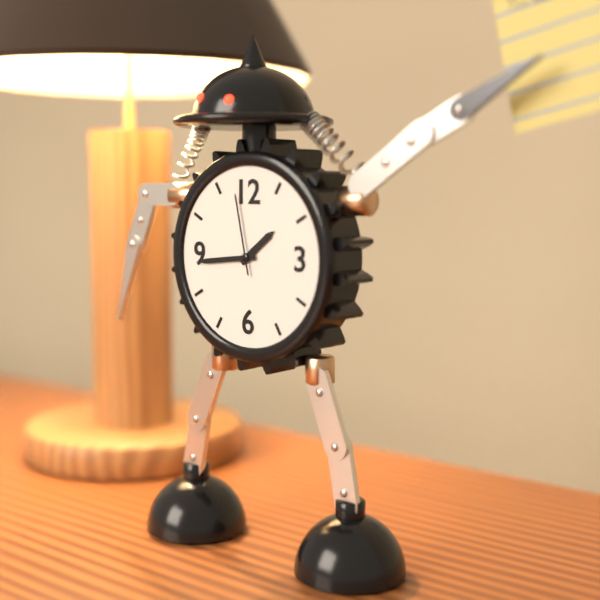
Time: {"hour": 1, "minute": 44, "second": 58}
